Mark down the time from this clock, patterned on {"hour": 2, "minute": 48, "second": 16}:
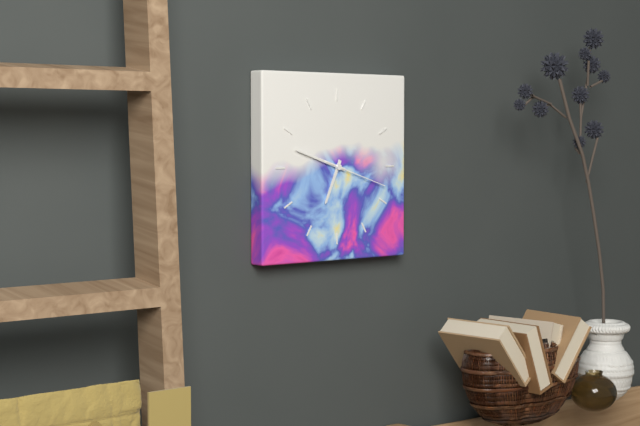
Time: {"hour": 6, "minute": 48, "second": 18}
